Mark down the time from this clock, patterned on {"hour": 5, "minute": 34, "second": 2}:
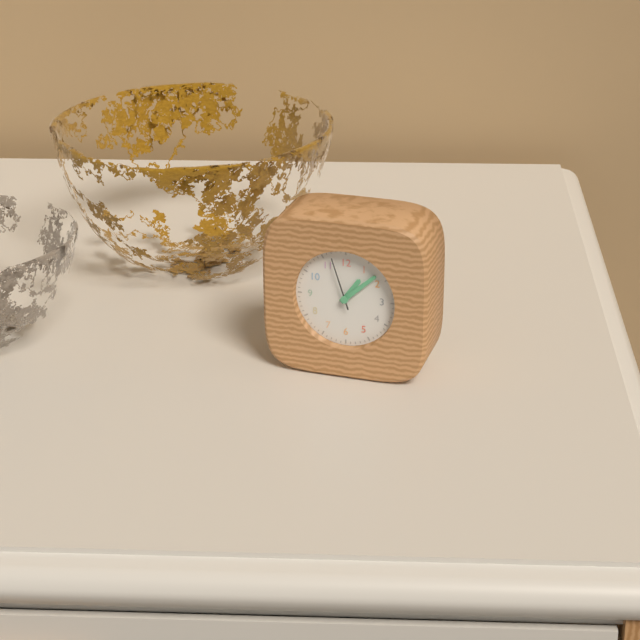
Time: {"hour": 1, "minute": 8, "second": 57}
